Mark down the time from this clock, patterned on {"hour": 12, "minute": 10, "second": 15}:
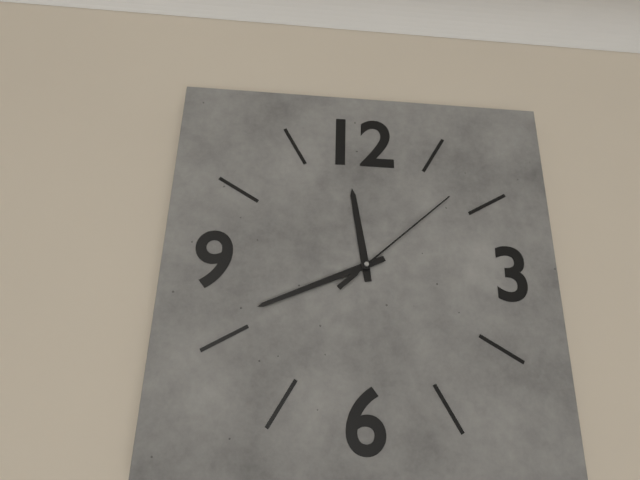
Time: {"hour": 11, "minute": 41, "second": 8}
